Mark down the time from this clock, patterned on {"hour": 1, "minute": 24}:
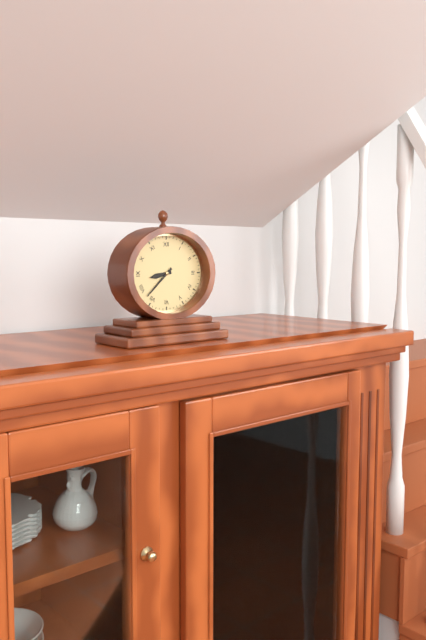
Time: {"hour": 8, "minute": 38}
